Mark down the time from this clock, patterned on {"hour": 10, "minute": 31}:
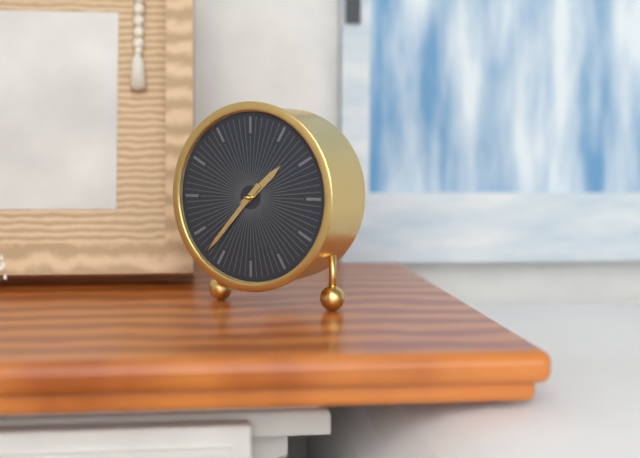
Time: {"hour": 1, "minute": 37}
